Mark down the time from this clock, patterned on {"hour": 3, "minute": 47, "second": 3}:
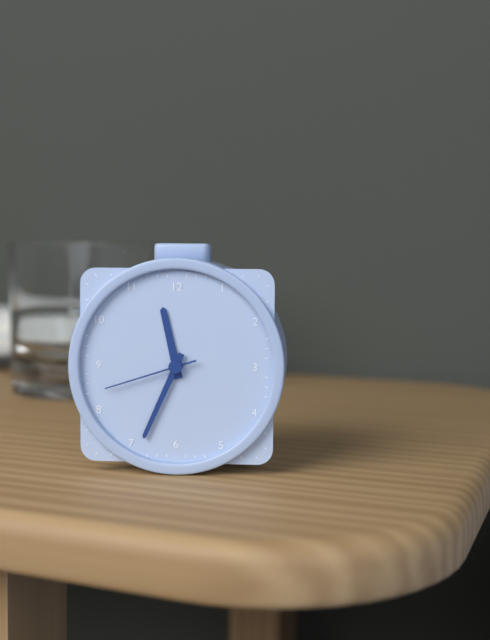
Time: {"hour": 11, "minute": 34, "second": 42}
